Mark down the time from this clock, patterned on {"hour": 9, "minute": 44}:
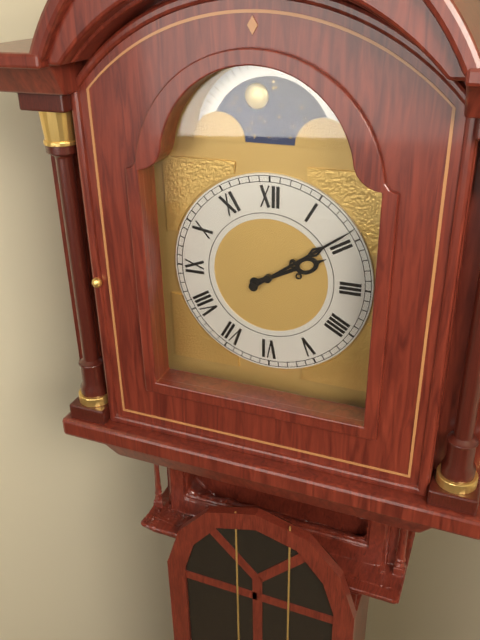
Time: {"hour": 2, "minute": 9}
